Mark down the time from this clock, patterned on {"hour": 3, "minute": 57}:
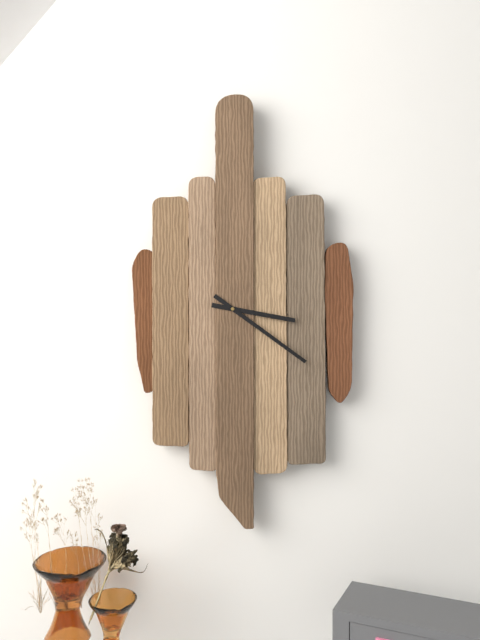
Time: {"hour": 3, "minute": 21}
